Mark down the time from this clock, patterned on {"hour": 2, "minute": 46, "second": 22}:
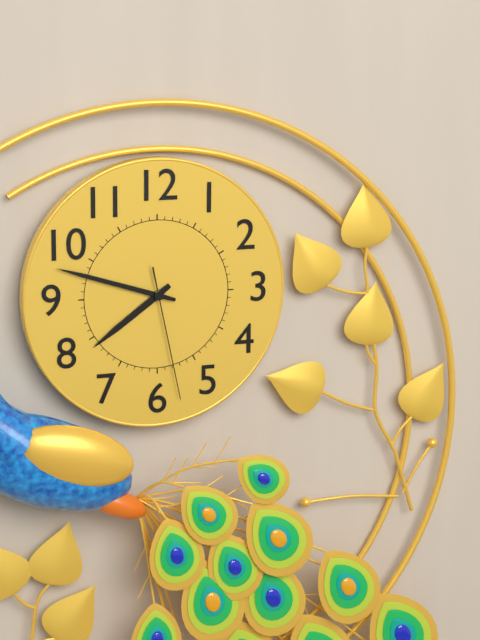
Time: {"hour": 7, "minute": 48, "second": 28}
